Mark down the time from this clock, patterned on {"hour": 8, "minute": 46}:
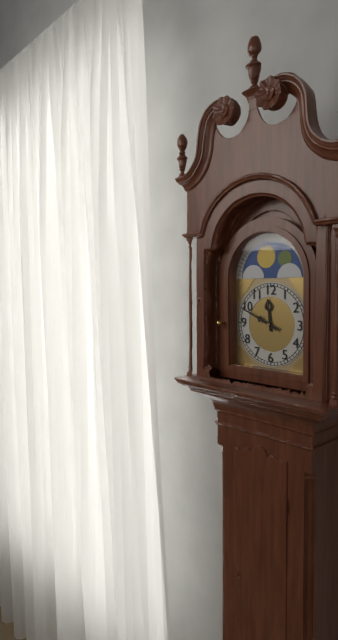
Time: {"hour": 11, "minute": 49}
